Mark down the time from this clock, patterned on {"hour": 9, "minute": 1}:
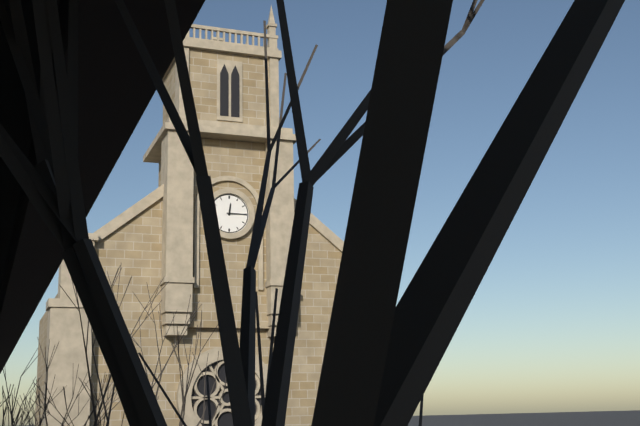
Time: {"hour": 12, "minute": 15}
